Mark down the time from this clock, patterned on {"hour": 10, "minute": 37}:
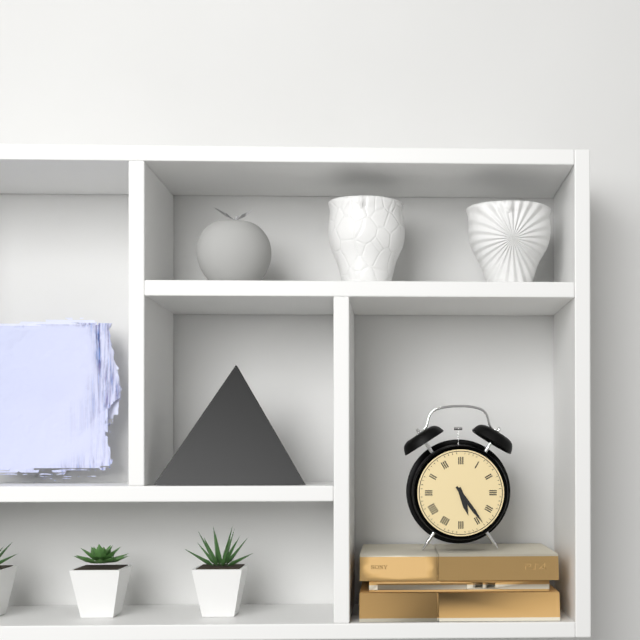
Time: {"hour": 5, "minute": 24}
